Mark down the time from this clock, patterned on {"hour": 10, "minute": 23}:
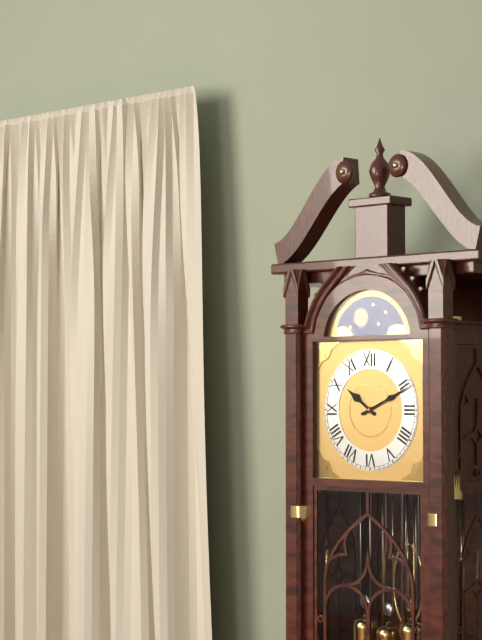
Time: {"hour": 10, "minute": 11}
